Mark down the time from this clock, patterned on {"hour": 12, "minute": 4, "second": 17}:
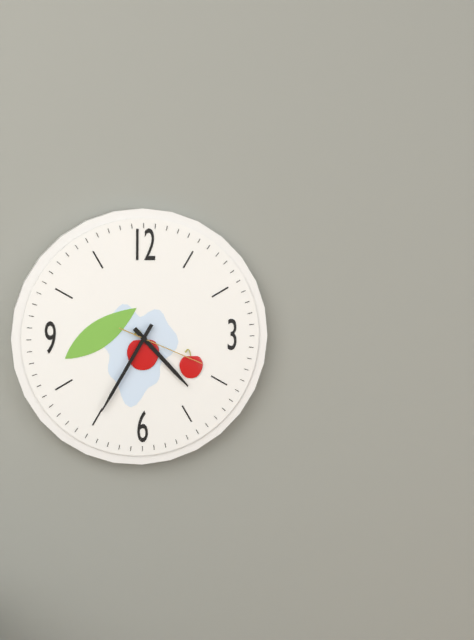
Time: {"hour": 4, "minute": 35, "second": 19}
